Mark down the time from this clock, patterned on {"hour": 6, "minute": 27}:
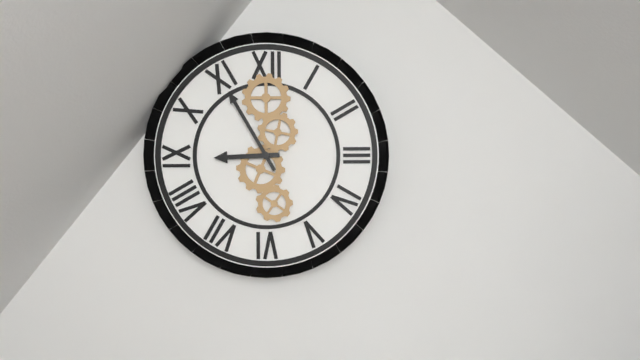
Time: {"hour": 8, "minute": 55}
